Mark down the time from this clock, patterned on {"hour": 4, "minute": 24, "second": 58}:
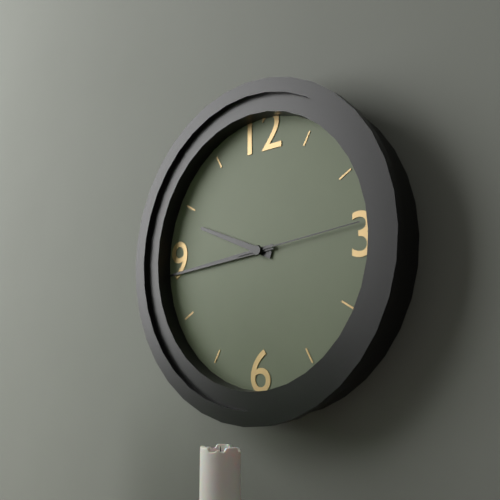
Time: {"hour": 9, "minute": 44, "second": 14}
